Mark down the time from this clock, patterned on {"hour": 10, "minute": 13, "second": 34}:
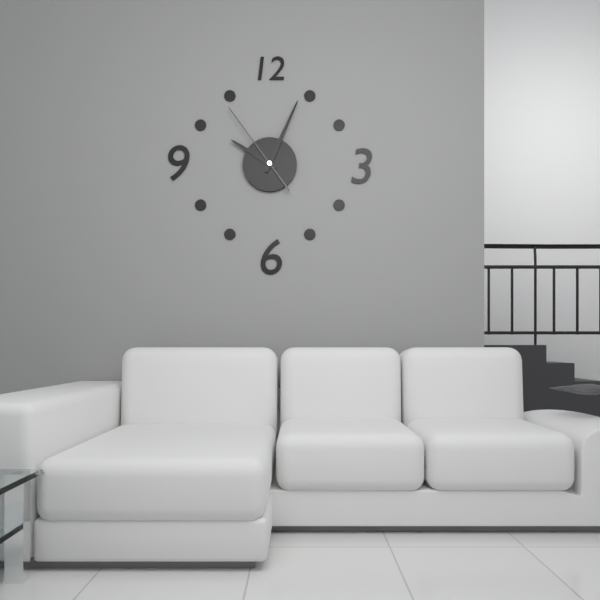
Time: {"hour": 10, "minute": 4, "second": 54}
